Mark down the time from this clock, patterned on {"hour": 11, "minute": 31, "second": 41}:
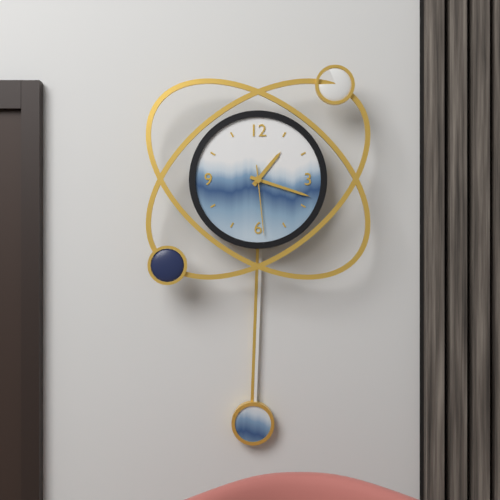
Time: {"hour": 1, "minute": 18, "second": 29}
